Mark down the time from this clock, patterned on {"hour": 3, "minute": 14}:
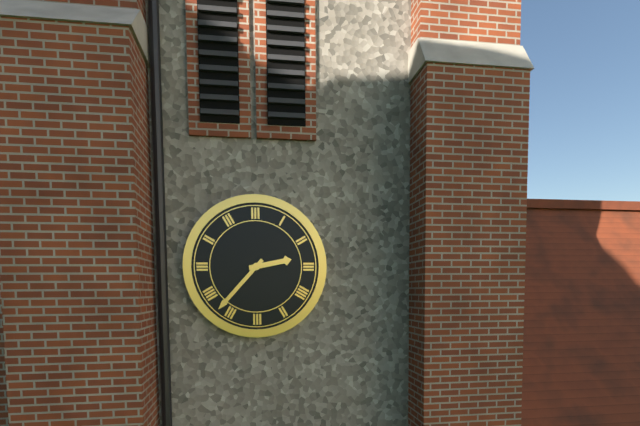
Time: {"hour": 2, "minute": 37}
